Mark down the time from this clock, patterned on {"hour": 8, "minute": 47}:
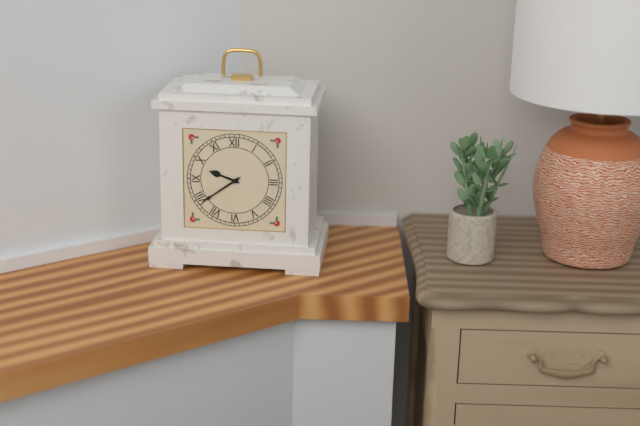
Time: {"hour": 9, "minute": 39}
